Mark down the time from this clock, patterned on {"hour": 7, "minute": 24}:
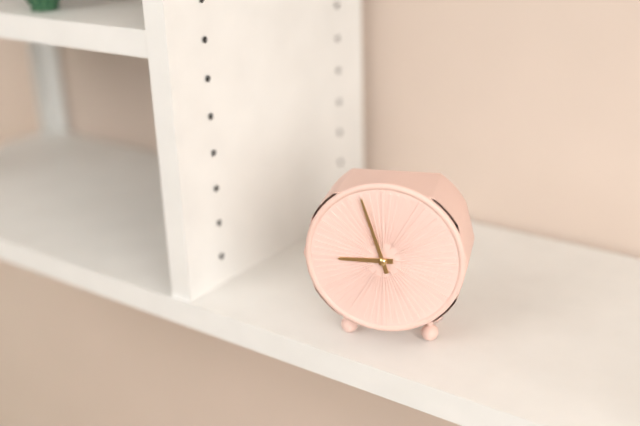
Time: {"hour": 8, "minute": 57}
